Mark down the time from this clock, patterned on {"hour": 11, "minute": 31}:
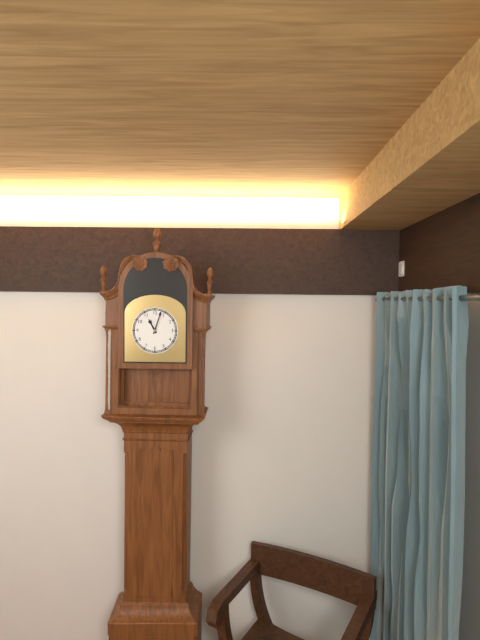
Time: {"hour": 11, "minute": 3}
